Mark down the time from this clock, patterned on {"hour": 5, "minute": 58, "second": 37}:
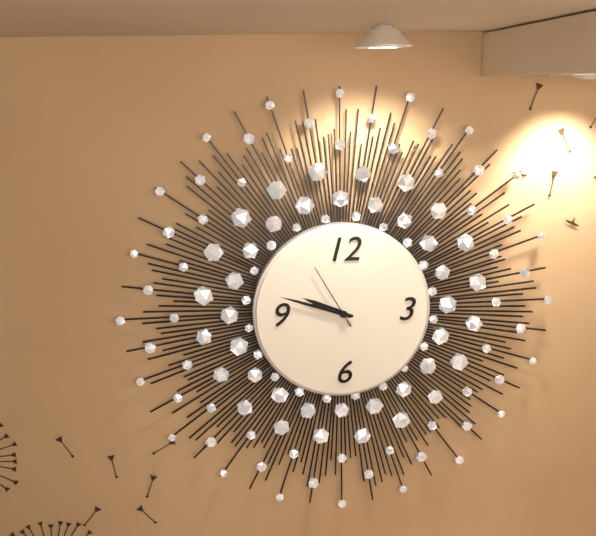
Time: {"hour": 9, "minute": 48, "second": 55}
